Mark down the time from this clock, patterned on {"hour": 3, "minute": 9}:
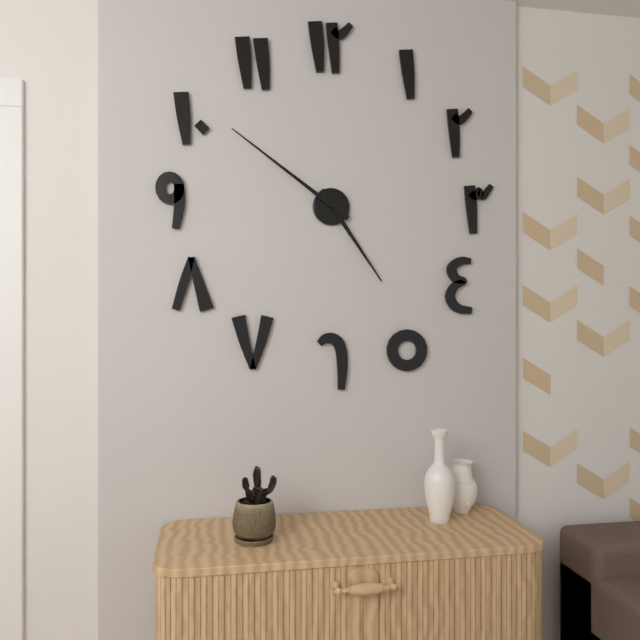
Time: {"hour": 4, "minute": 51}
